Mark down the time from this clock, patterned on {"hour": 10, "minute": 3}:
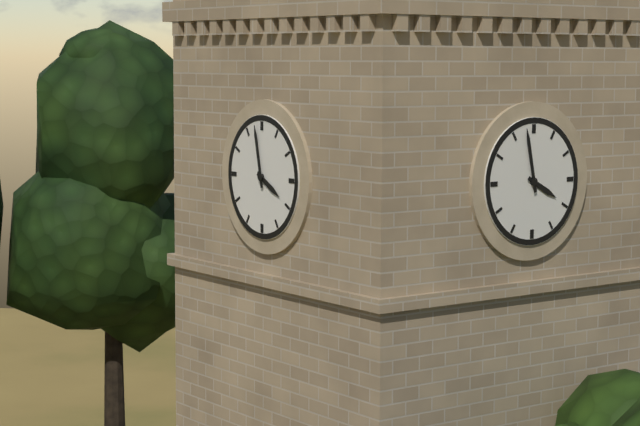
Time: {"hour": 3, "minute": 58}
